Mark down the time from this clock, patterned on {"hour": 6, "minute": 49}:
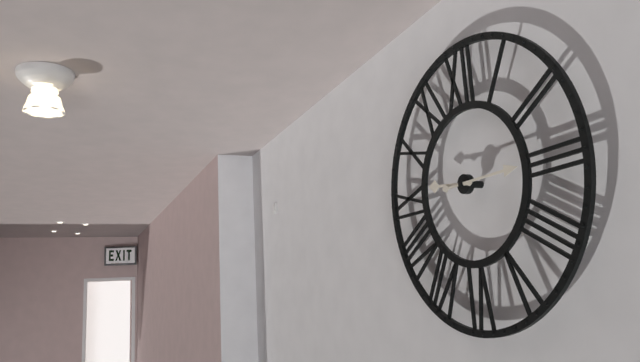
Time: {"hour": 9, "minute": 15}
